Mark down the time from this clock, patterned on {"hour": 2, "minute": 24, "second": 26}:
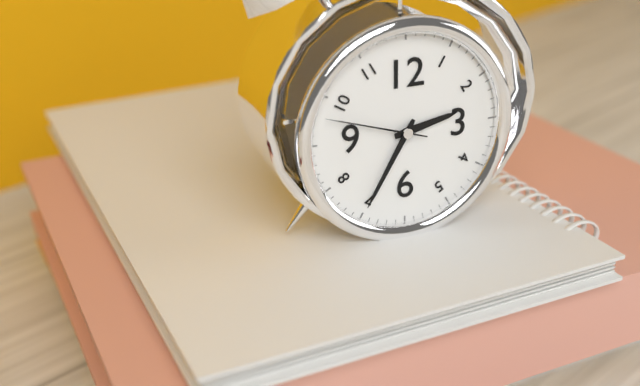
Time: {"hour": 2, "minute": 35, "second": 48}
